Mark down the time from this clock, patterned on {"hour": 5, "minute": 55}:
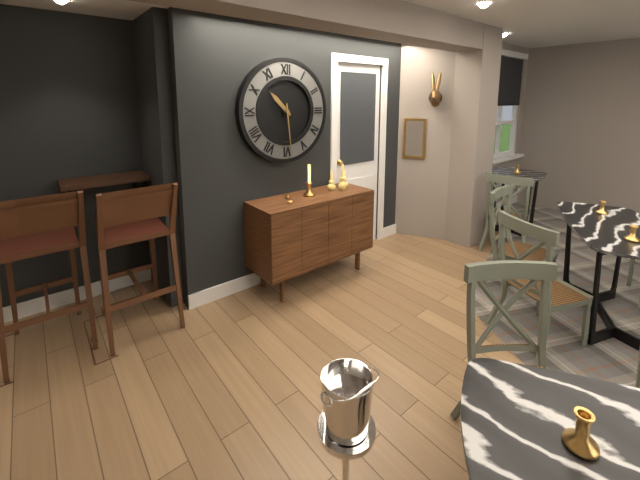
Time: {"hour": 10, "minute": 29}
